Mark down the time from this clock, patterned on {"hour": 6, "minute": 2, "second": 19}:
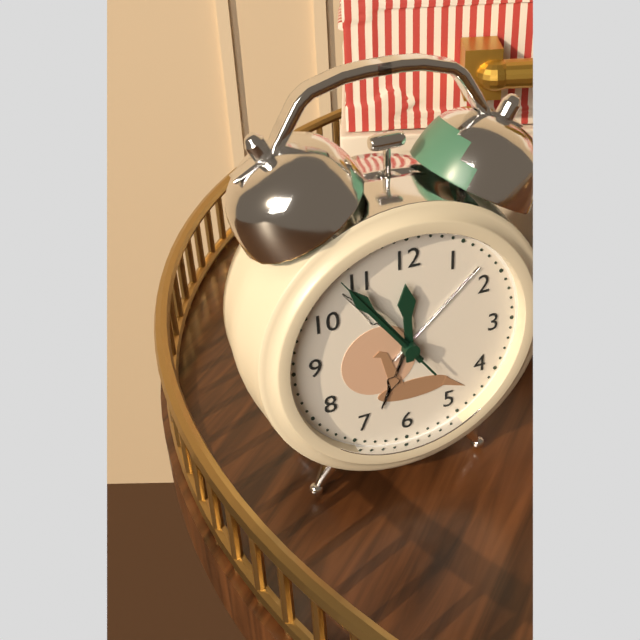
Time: {"hour": 11, "minute": 54, "second": 54}
